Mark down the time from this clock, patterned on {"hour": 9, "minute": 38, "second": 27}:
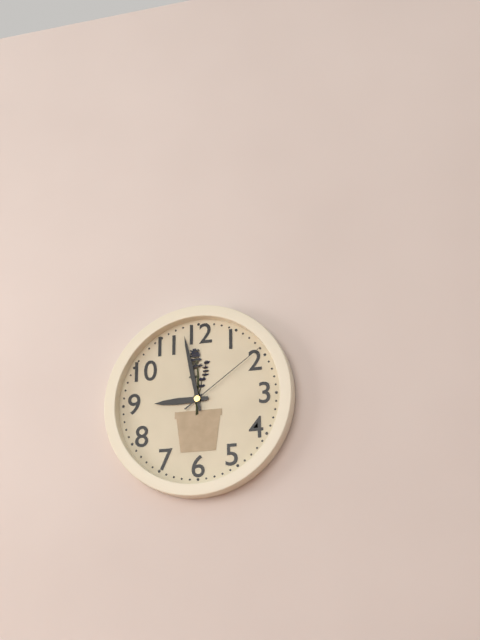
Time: {"hour": 8, "minute": 58, "second": 9}
